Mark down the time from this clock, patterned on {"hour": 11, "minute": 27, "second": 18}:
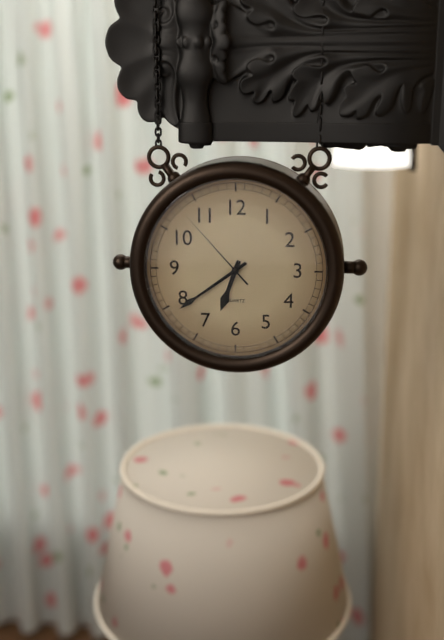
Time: {"hour": 6, "minute": 39, "second": 53}
